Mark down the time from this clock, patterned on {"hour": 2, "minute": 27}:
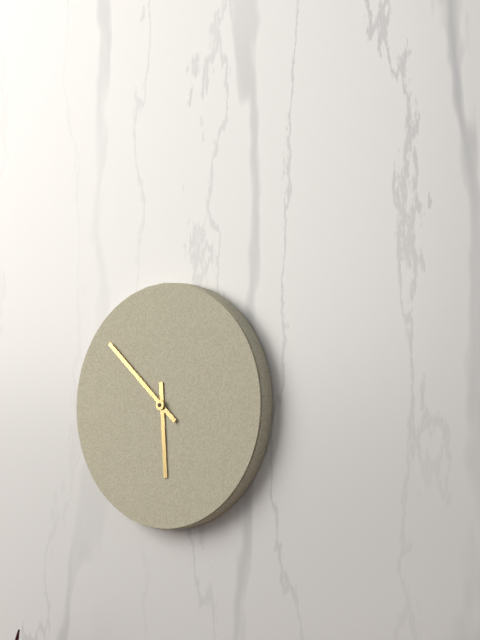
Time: {"hour": 5, "minute": 52}
